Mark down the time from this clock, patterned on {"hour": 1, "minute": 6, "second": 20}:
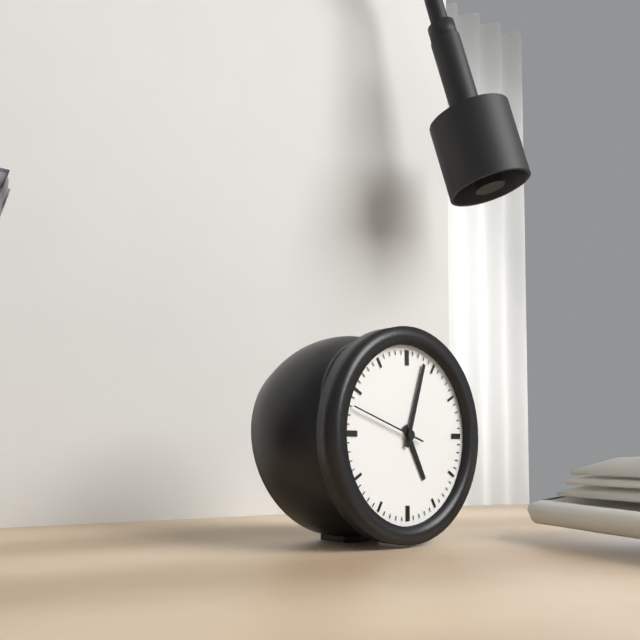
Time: {"hour": 5, "minute": 3, "second": 48}
